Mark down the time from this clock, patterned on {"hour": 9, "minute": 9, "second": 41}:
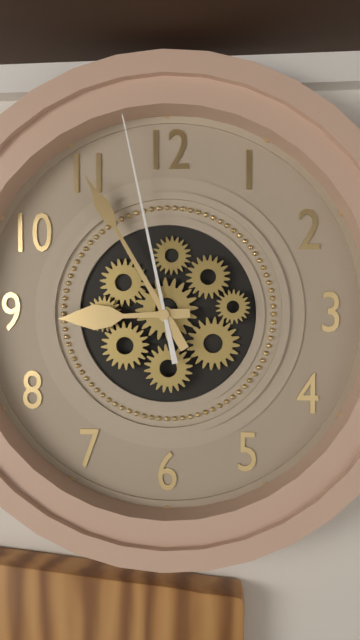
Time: {"hour": 8, "minute": 55, "second": 58}
